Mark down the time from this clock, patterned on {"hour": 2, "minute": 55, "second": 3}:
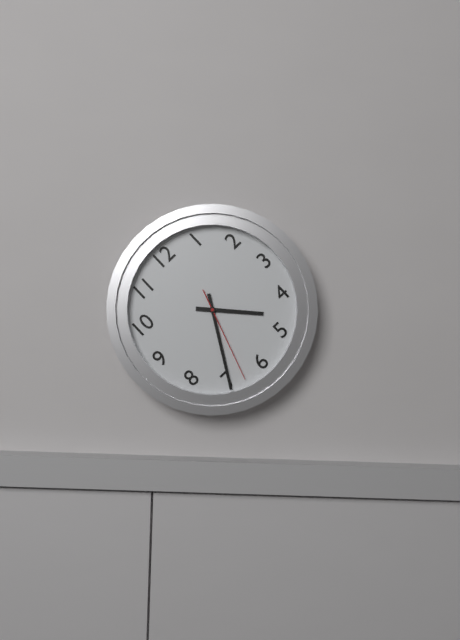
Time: {"hour": 4, "minute": 35, "second": 33}
